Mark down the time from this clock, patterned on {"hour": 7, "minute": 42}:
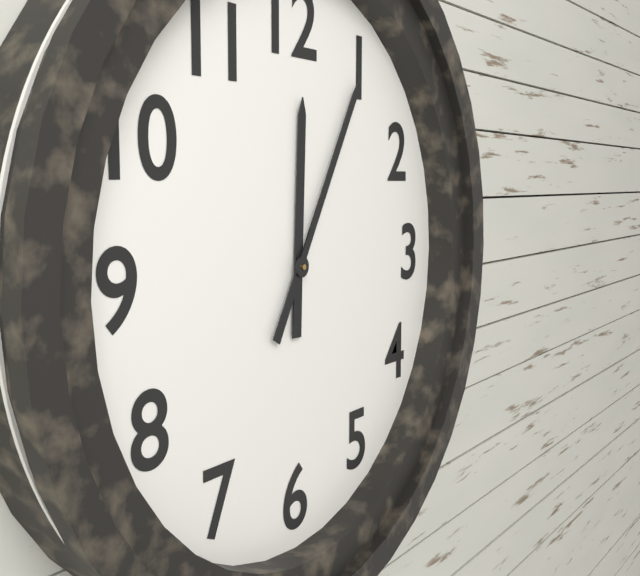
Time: {"hour": 12, "minute": 5}
